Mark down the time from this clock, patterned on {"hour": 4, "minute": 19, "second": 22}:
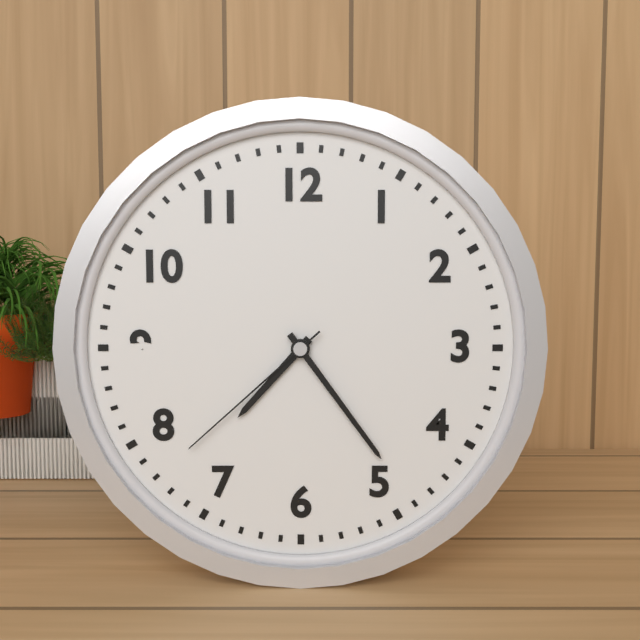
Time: {"hour": 7, "minute": 24, "second": 38}
